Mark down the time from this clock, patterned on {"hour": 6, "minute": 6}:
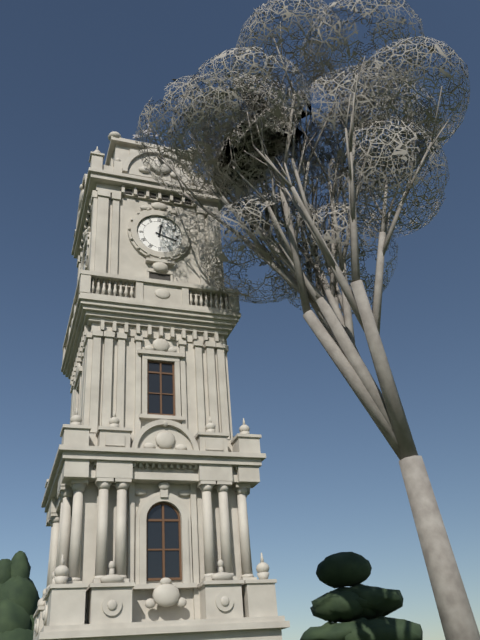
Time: {"hour": 12, "minute": 18}
